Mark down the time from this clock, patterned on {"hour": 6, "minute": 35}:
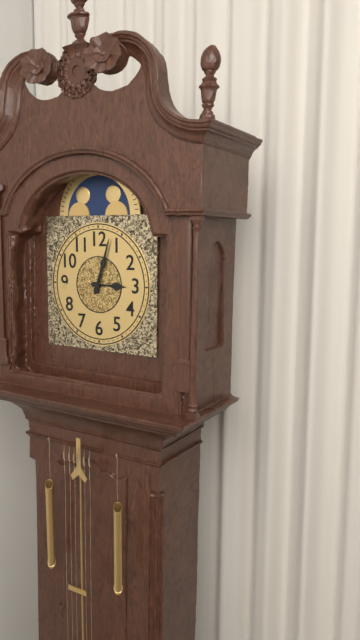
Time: {"hour": 3, "minute": 3}
